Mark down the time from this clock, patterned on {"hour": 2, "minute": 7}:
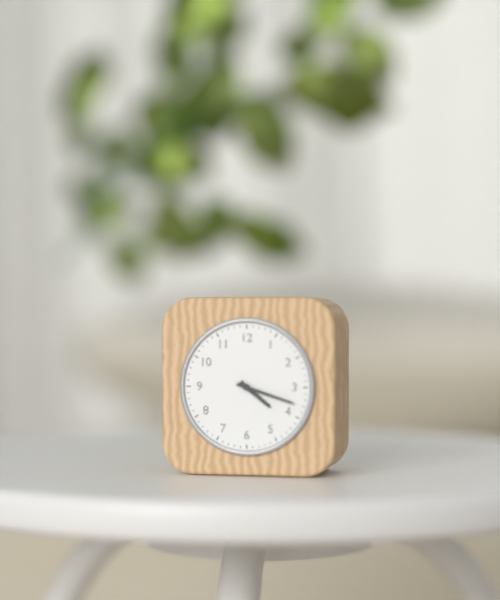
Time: {"hour": 4, "minute": 18}
